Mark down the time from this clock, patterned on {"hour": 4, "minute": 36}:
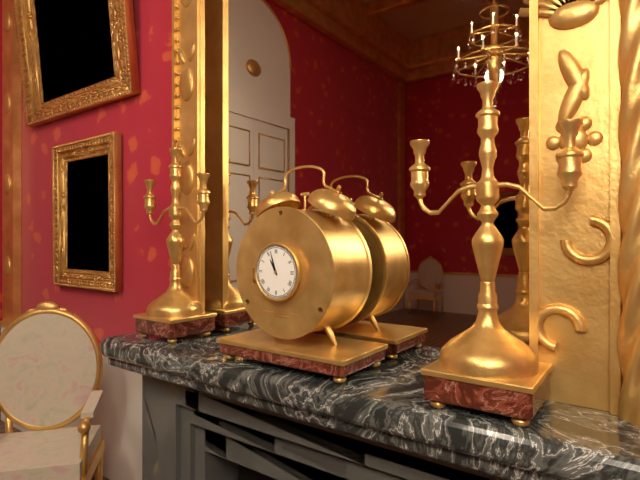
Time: {"hour": 10, "minute": 57}
